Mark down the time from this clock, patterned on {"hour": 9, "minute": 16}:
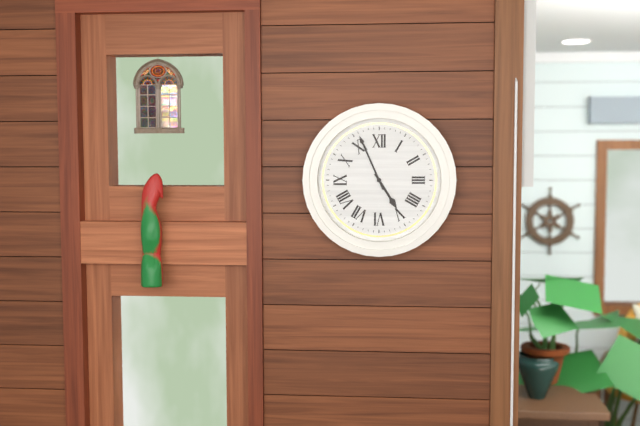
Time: {"hour": 4, "minute": 56}
